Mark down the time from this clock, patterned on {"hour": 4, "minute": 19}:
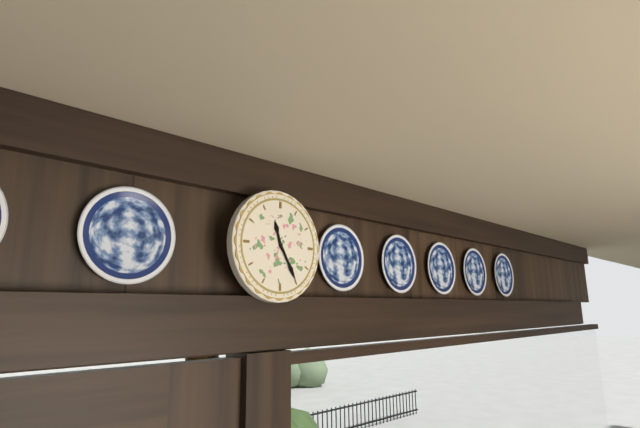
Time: {"hour": 11, "minute": 25}
